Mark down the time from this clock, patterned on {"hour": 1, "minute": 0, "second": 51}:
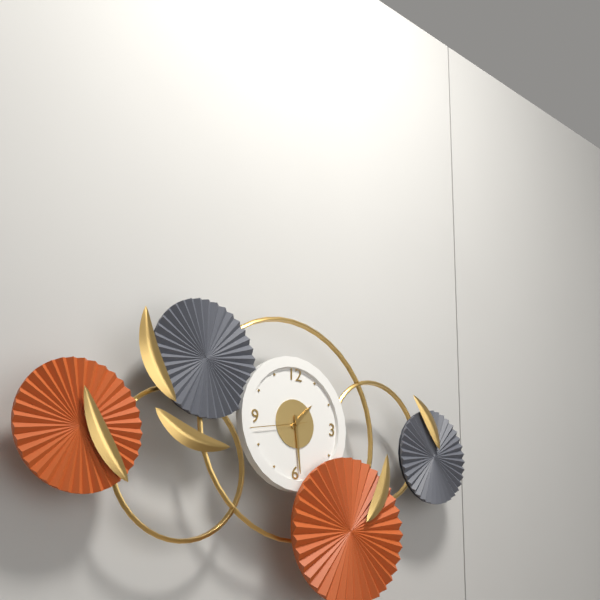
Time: {"hour": 1, "minute": 29, "second": 43}
